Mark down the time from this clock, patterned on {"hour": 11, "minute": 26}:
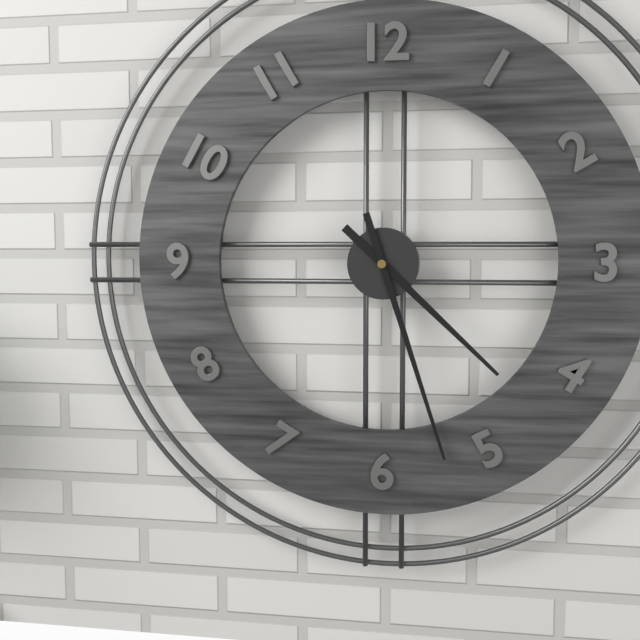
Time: {"hour": 4, "minute": 27}
